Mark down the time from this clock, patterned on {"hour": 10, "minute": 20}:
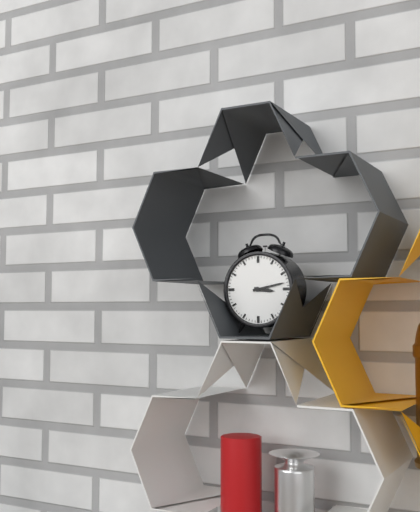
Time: {"hour": 3, "minute": 13}
